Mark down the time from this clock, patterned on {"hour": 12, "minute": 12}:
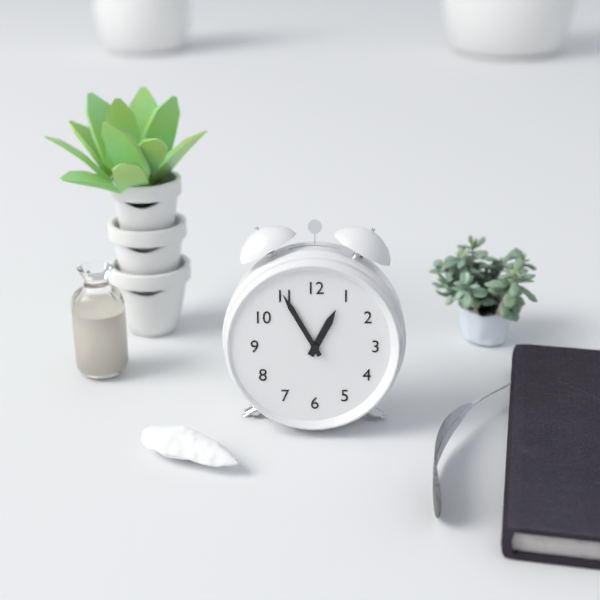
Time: {"hour": 12, "minute": 55}
